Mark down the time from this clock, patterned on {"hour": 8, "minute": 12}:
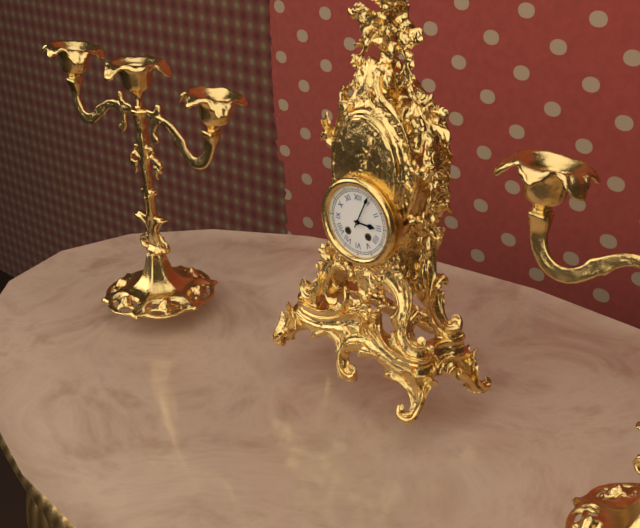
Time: {"hour": 3, "minute": 4}
